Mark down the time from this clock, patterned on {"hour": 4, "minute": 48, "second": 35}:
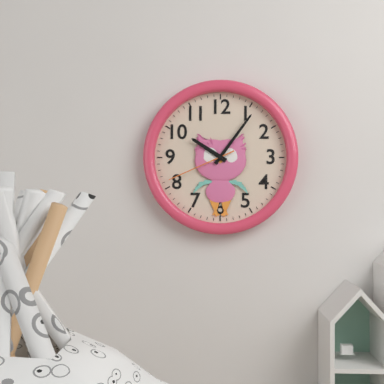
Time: {"hour": 10, "minute": 6, "second": 41}
